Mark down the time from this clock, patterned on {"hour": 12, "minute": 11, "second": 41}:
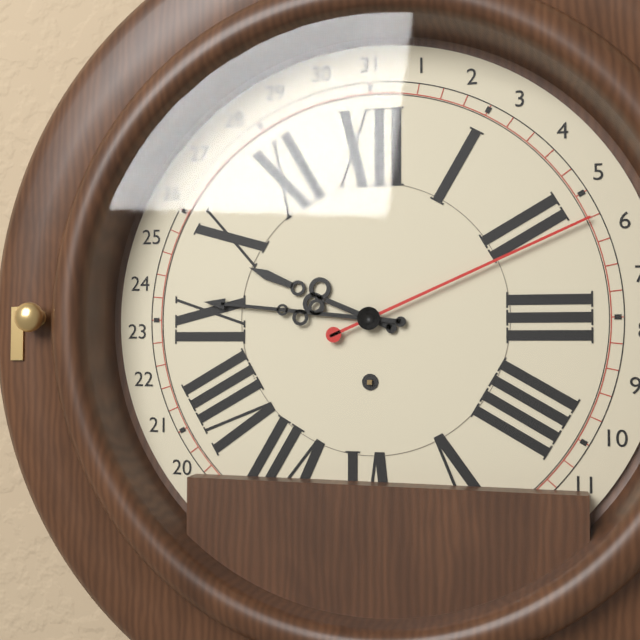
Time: {"hour": 9, "minute": 46, "second": 11}
